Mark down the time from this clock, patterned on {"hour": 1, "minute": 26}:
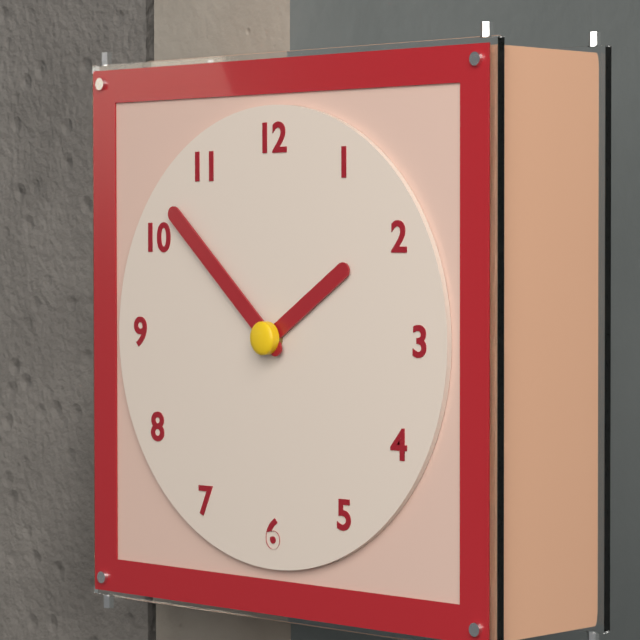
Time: {"hour": 1, "minute": 52}
